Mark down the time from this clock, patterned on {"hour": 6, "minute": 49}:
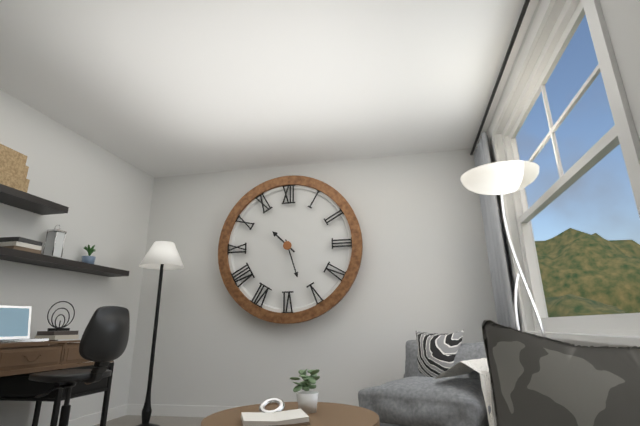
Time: {"hour": 10, "minute": 27}
